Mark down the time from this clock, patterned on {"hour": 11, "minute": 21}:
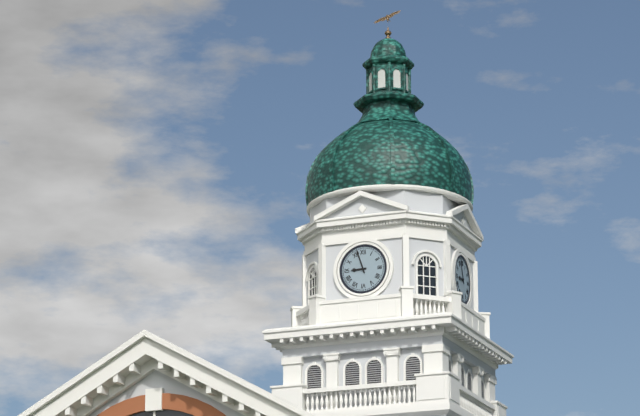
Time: {"hour": 8, "minute": 57}
